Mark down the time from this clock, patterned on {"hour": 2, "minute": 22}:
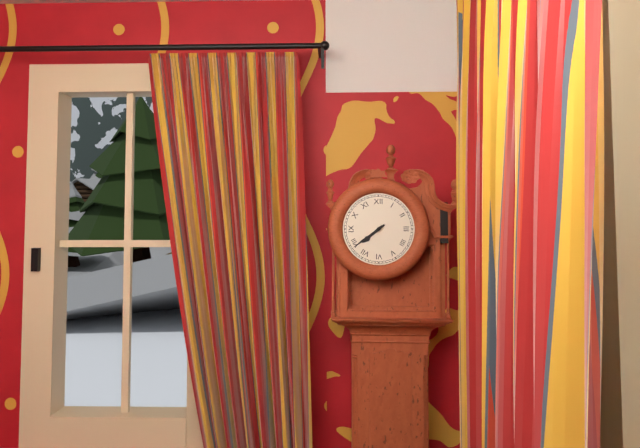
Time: {"hour": 7, "minute": 39}
